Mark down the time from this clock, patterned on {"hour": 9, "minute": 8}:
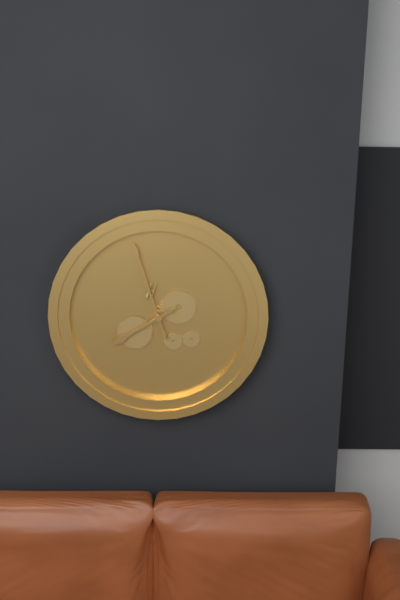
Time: {"hour": 7, "minute": 57}
